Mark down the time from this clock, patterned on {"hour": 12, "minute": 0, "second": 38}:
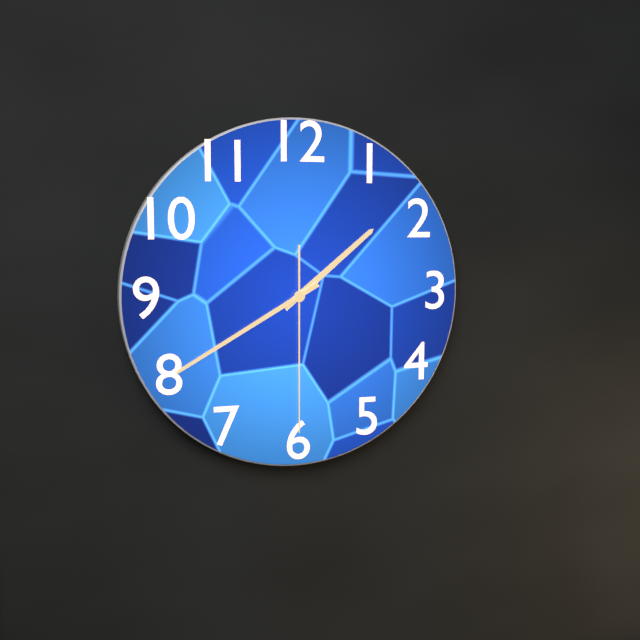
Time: {"hour": 1, "minute": 40, "second": 30}
